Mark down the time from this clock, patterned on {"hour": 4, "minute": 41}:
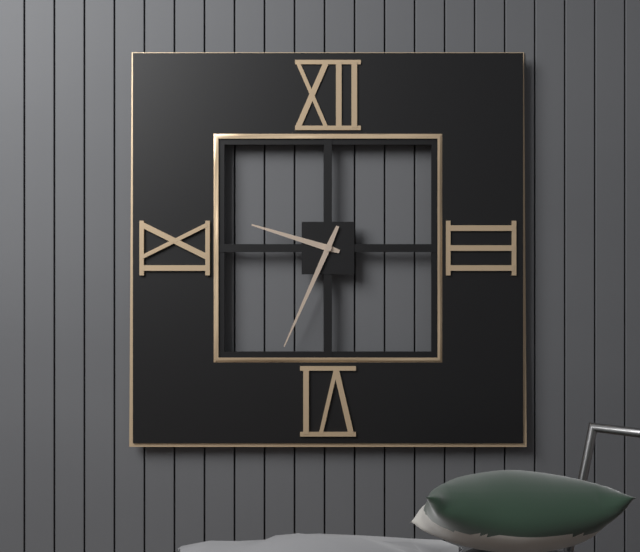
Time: {"hour": 9, "minute": 34}
